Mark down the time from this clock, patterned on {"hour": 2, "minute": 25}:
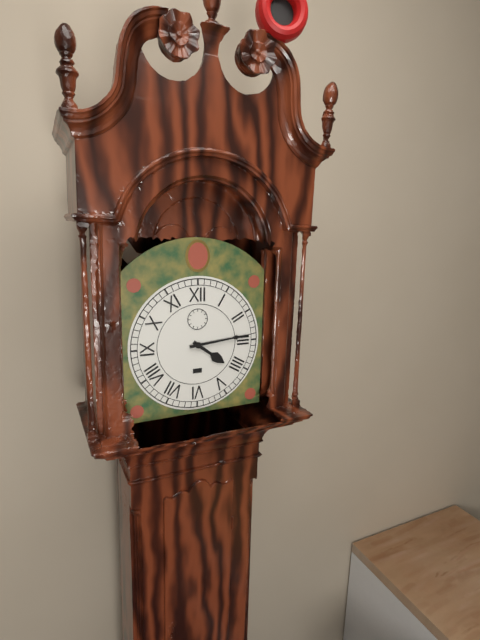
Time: {"hour": 4, "minute": 14}
